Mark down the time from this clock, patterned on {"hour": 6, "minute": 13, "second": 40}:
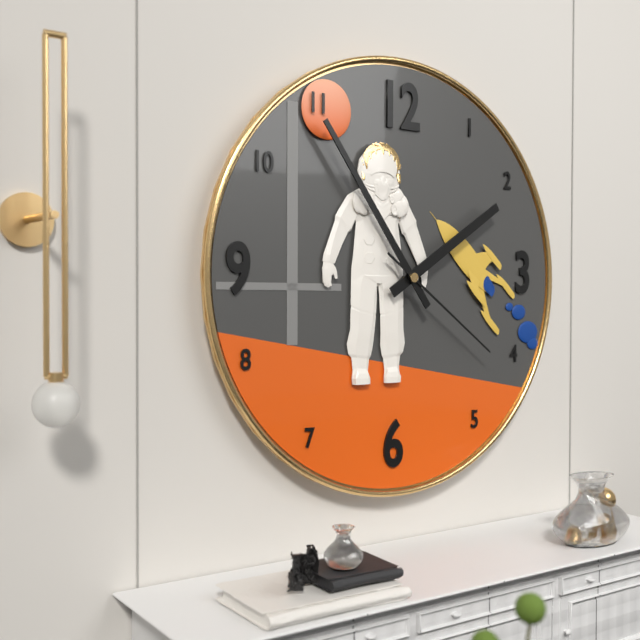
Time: {"hour": 1, "minute": 54, "second": 21}
